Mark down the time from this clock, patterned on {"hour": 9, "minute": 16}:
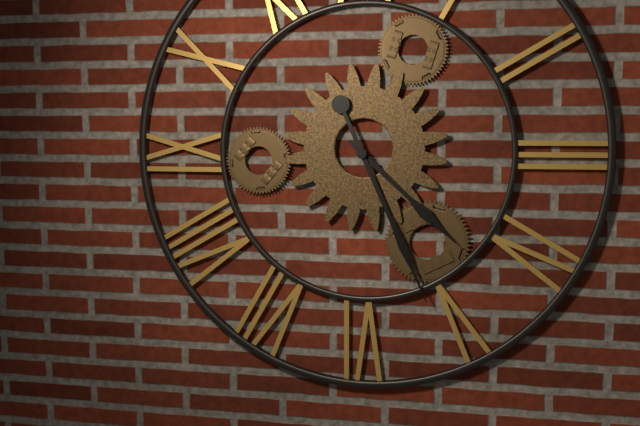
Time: {"hour": 4, "minute": 26}
